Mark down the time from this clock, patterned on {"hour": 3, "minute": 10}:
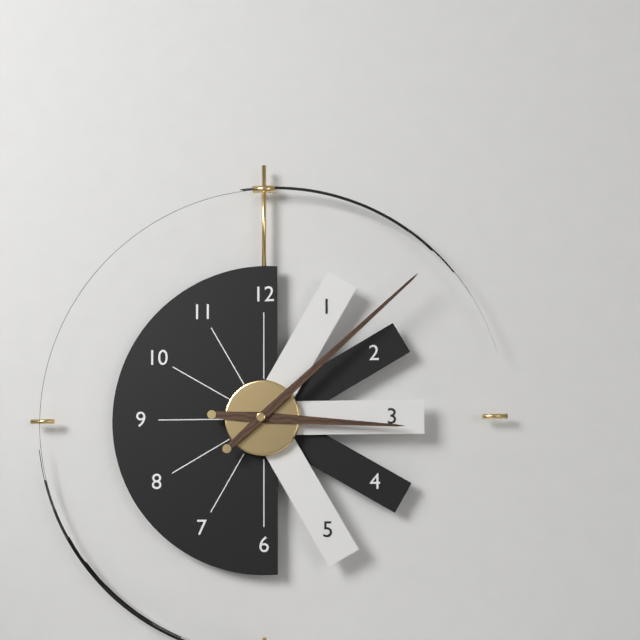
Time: {"hour": 3, "minute": 8}
